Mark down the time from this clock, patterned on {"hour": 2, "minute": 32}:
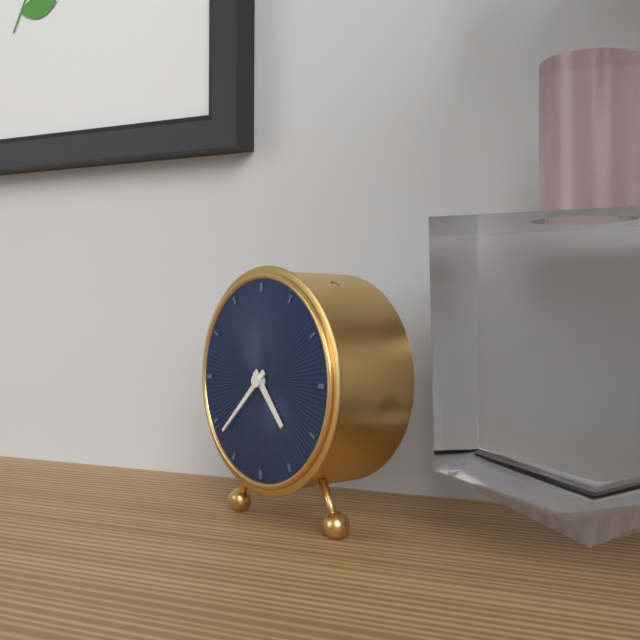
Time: {"hour": 4, "minute": 38}
